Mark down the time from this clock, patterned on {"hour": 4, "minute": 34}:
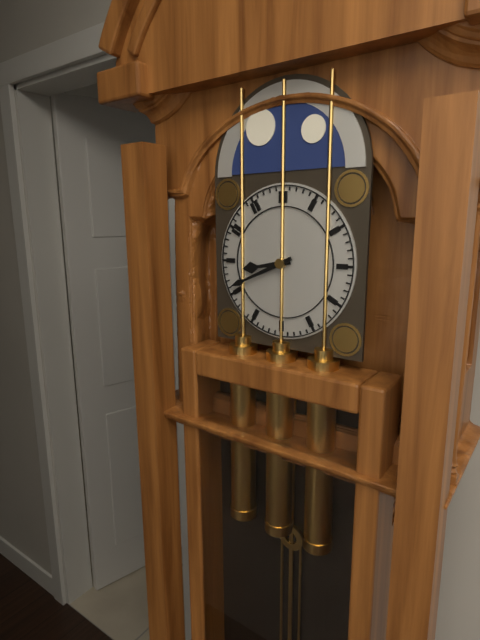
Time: {"hour": 8, "minute": 41}
